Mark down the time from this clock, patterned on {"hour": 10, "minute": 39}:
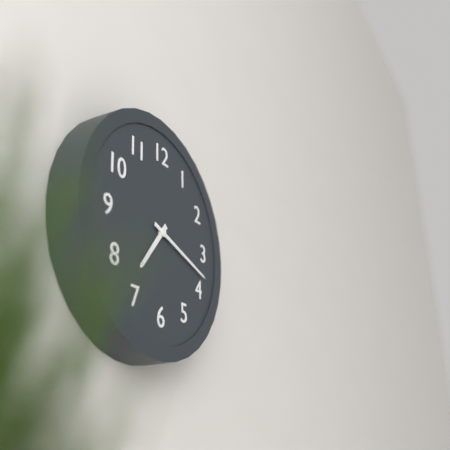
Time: {"hour": 7, "minute": 18}
